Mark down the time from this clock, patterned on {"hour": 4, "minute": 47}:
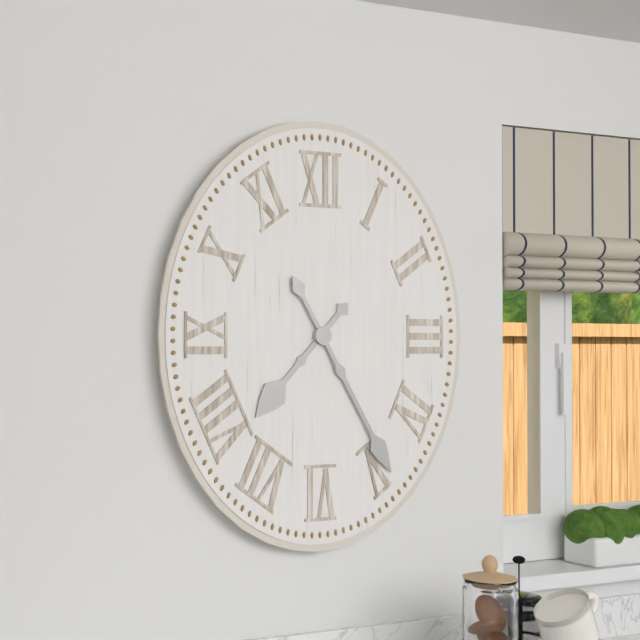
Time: {"hour": 7, "minute": 25}
